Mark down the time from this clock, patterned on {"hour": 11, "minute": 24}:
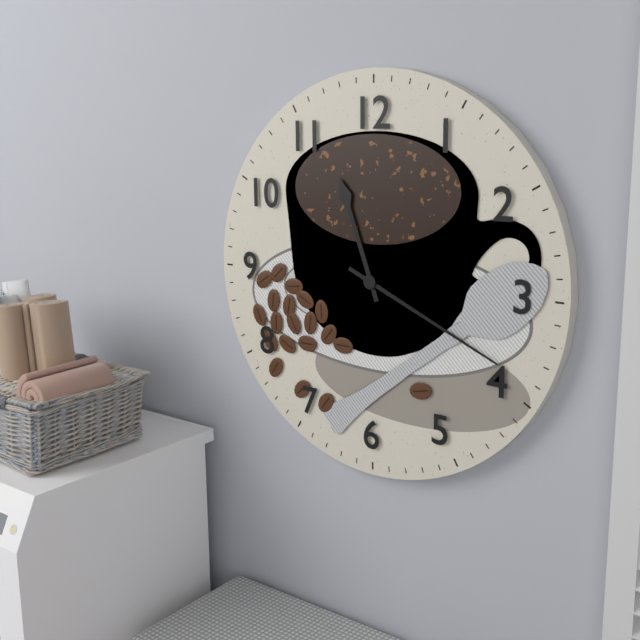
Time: {"hour": 11, "minute": 19}
